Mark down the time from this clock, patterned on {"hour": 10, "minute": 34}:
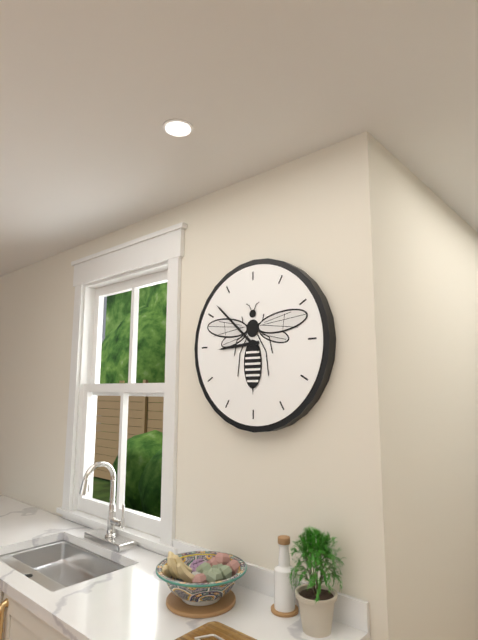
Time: {"hour": 8, "minute": 52}
